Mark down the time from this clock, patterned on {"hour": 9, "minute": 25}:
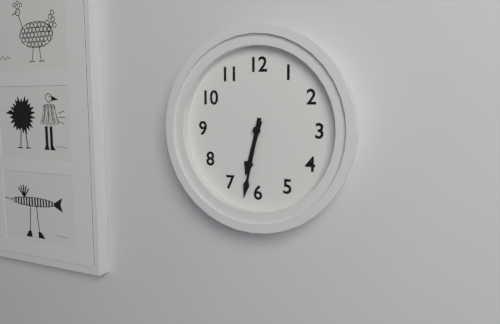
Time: {"hour": 6, "minute": 32}
